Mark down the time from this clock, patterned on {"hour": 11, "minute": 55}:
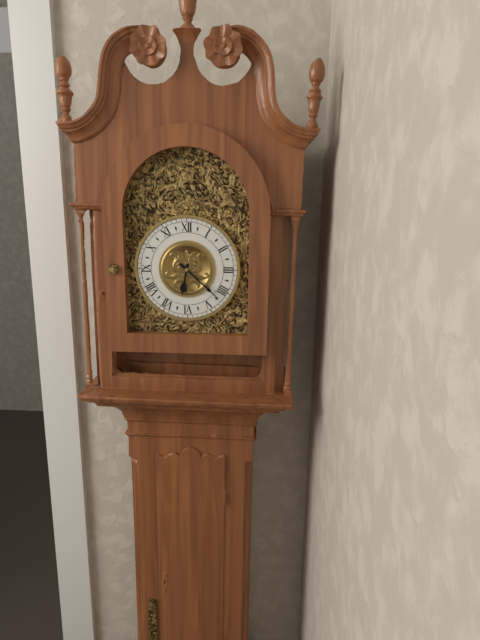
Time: {"hour": 6, "minute": 22}
